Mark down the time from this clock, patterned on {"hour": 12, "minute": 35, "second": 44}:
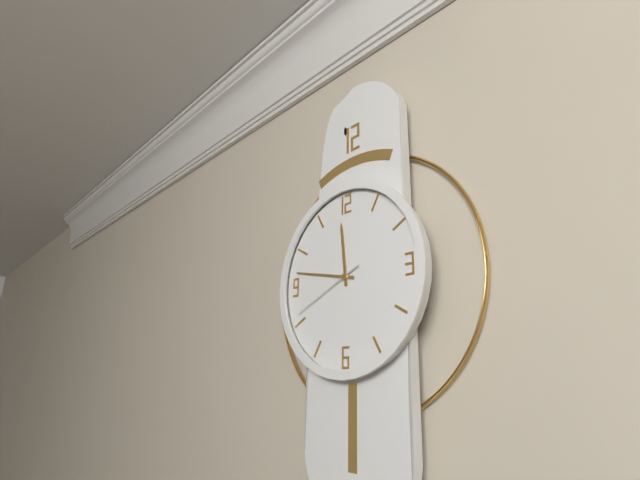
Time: {"hour": 11, "minute": 47, "second": 41}
